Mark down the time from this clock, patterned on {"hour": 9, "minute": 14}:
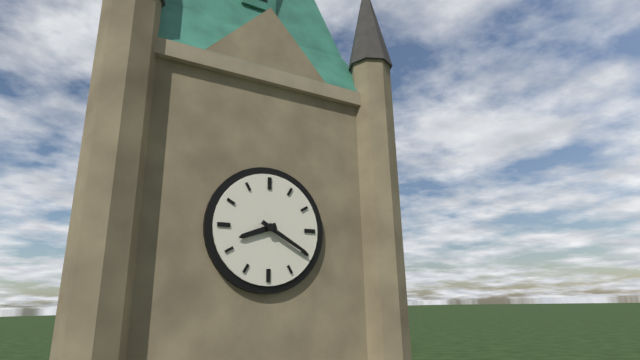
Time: {"hour": 8, "minute": 20}
